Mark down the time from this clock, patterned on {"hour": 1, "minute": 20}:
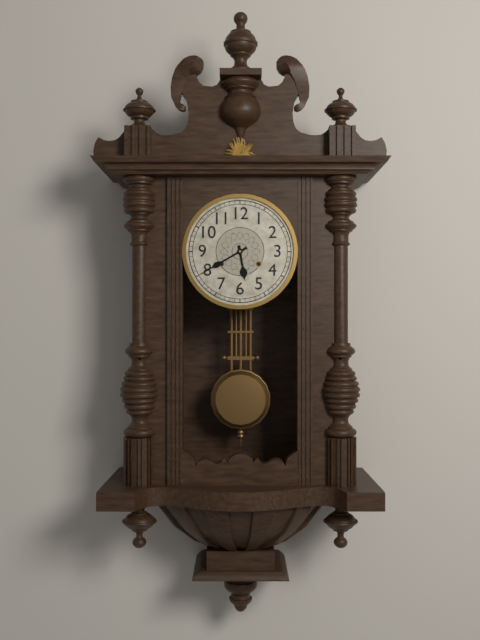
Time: {"hour": 5, "minute": 40}
